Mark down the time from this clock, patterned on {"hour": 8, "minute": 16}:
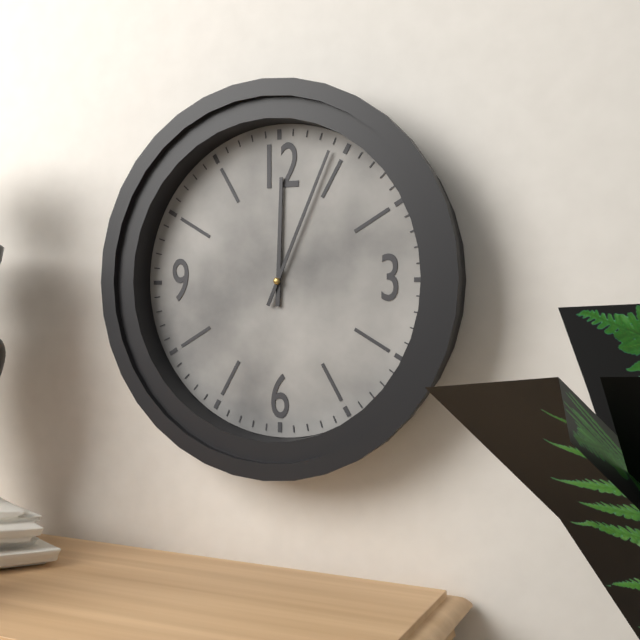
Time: {"hour": 12, "minute": 4}
